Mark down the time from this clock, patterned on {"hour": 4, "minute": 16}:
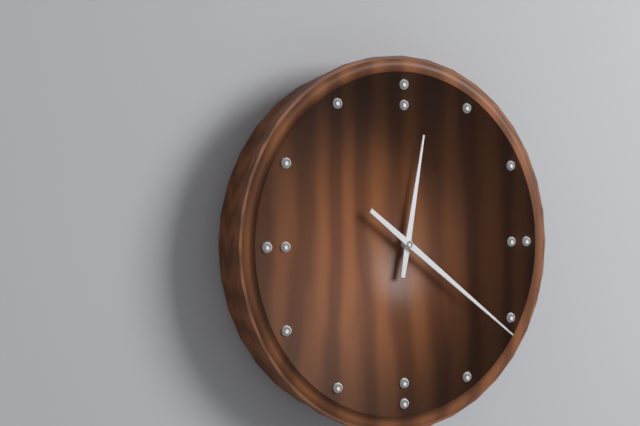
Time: {"hour": 12, "minute": 21}
